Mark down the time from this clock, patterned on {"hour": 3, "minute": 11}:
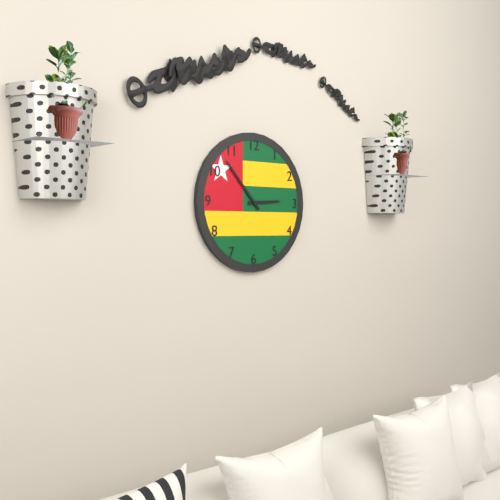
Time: {"hour": 2, "minute": 53}
